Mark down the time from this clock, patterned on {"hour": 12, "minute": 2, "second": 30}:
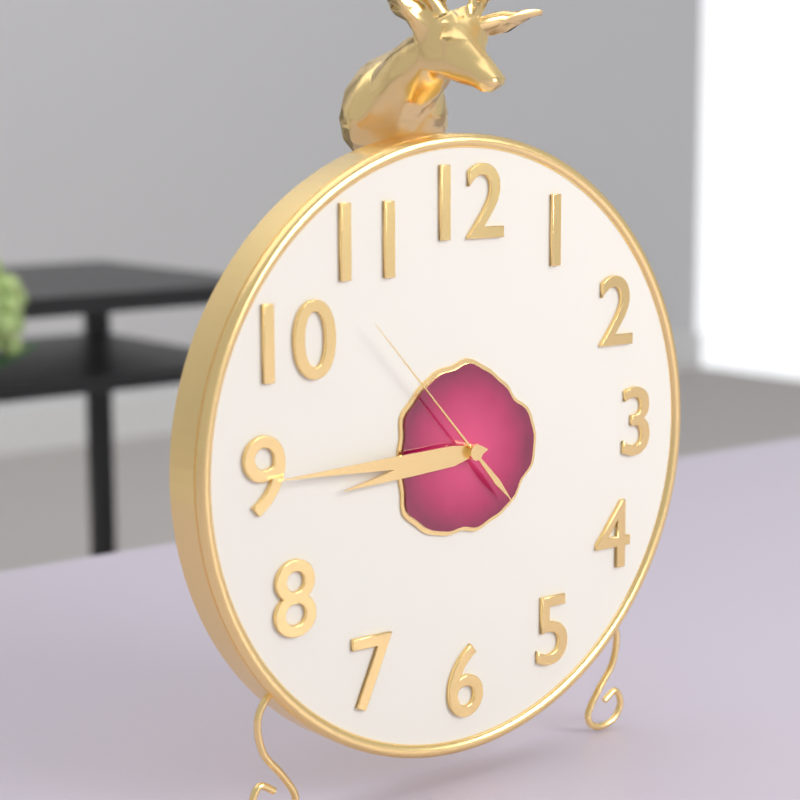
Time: {"hour": 8, "minute": 45, "second": 53}
